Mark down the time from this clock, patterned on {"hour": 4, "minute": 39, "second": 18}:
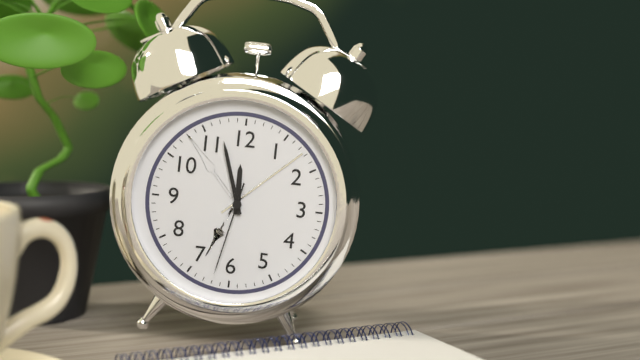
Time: {"hour": 11, "minute": 57, "second": 32}
